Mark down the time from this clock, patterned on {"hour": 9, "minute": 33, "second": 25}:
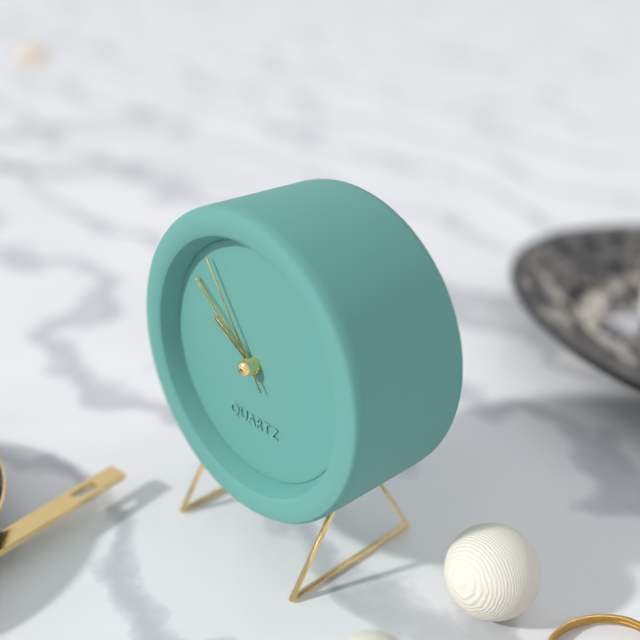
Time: {"hour": 9, "minute": 51, "second": 54}
